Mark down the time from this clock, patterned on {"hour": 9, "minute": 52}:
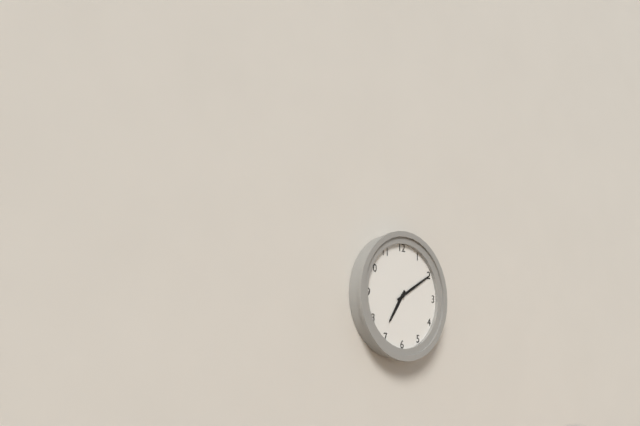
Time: {"hour": 7, "minute": 10}
